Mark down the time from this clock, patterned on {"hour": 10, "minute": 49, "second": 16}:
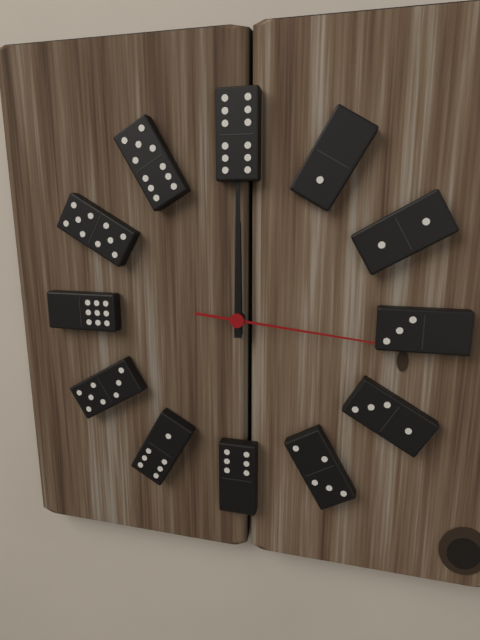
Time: {"hour": 12, "minute": 0, "second": 16}
